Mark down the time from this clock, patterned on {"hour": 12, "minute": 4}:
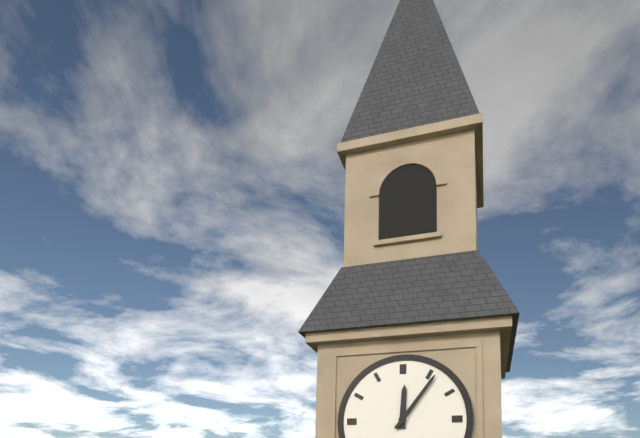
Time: {"hour": 12, "minute": 6}
